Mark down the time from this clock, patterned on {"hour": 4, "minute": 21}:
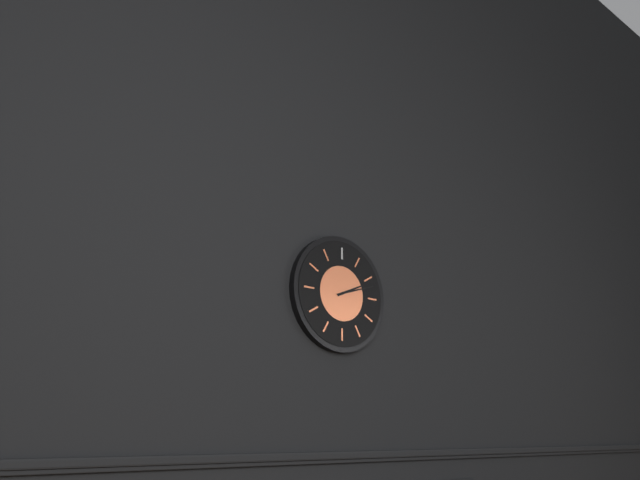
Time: {"hour": 2, "minute": 12}
